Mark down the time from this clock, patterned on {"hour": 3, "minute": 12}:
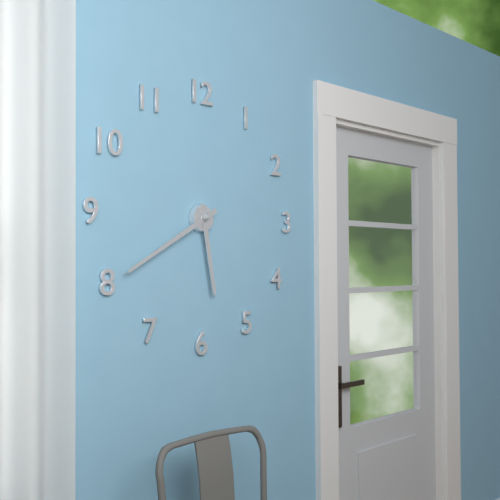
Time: {"hour": 5, "minute": 40}
